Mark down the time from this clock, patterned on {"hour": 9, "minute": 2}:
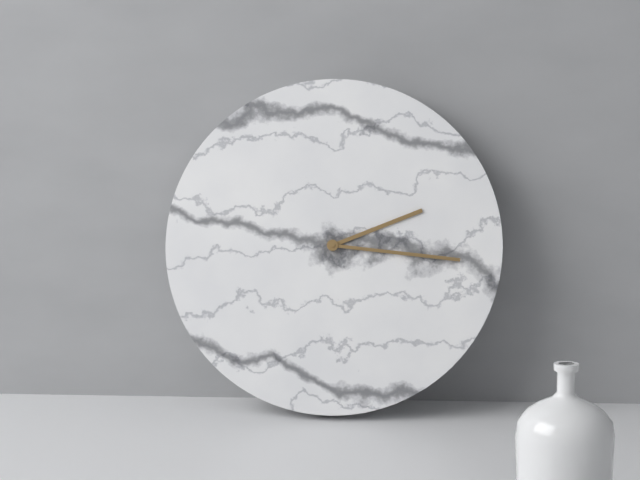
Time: {"hour": 2, "minute": 16}
